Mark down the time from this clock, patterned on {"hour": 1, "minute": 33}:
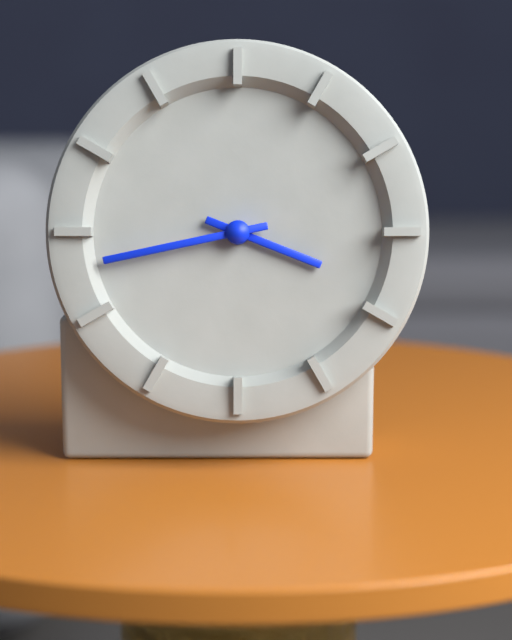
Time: {"hour": 3, "minute": 43}
